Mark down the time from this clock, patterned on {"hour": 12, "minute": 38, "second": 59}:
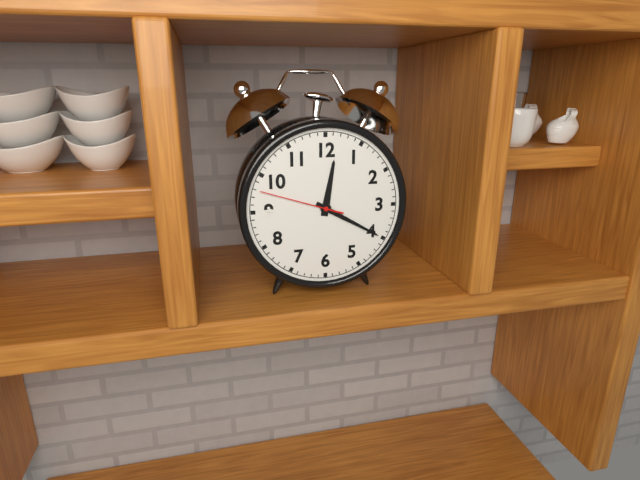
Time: {"hour": 12, "minute": 20, "second": 48}
